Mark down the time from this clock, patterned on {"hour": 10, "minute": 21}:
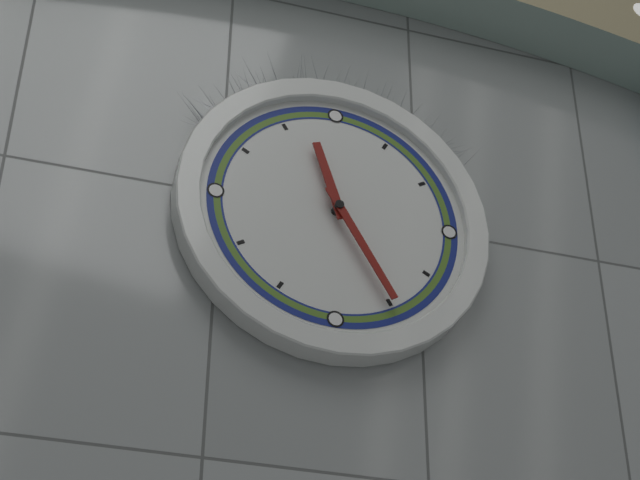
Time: {"hour": 11, "minute": 25}
